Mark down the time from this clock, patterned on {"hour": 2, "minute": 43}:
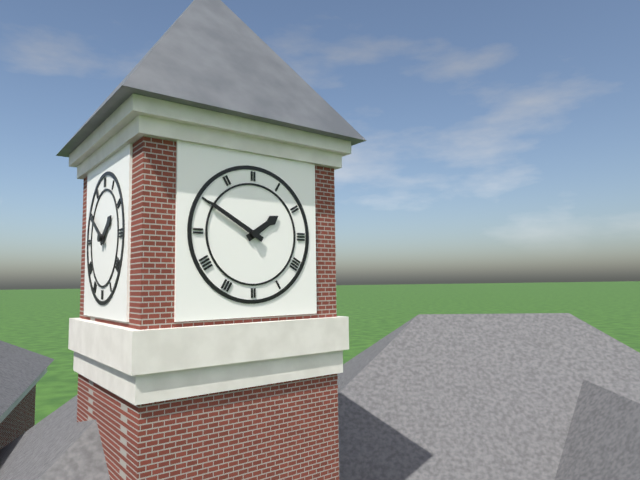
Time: {"hour": 1, "minute": 50}
